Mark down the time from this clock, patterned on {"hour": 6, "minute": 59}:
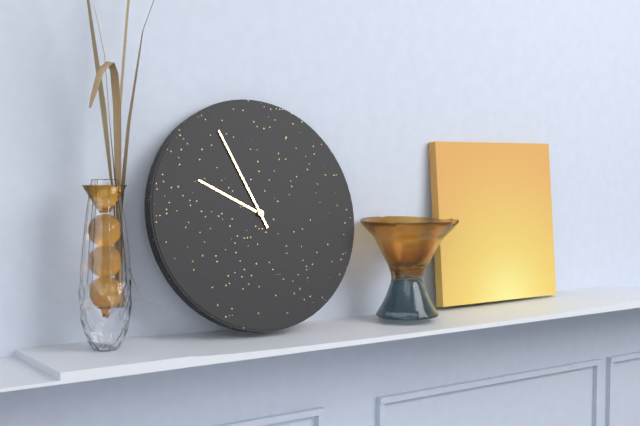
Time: {"hour": 9, "minute": 56}
